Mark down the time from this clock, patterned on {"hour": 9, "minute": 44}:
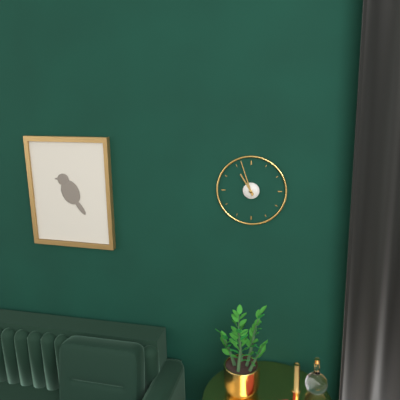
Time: {"hour": 10, "minute": 57}
